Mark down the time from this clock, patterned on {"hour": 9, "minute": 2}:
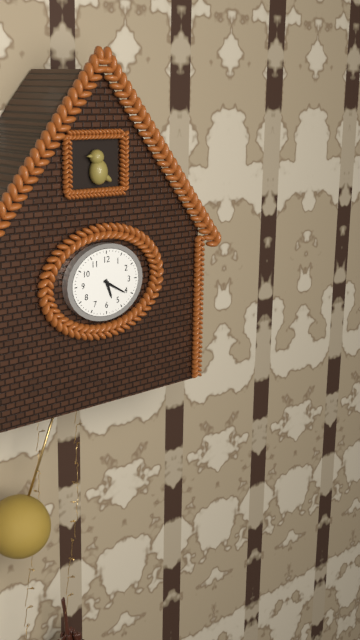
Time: {"hour": 5, "minute": 20}
